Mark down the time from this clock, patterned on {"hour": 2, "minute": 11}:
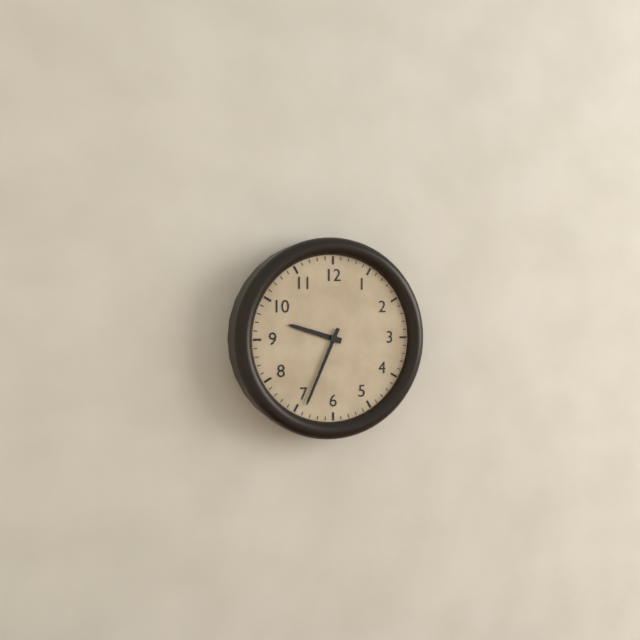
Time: {"hour": 9, "minute": 34}
